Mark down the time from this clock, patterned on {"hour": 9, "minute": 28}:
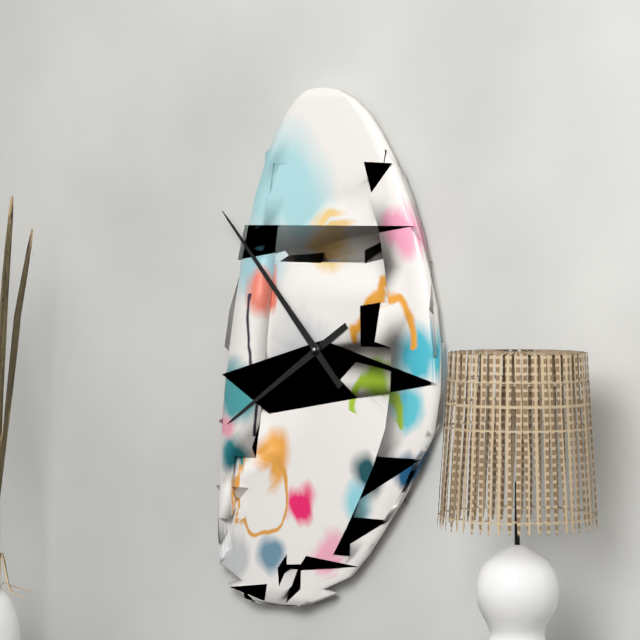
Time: {"hour": 7, "minute": 53}
